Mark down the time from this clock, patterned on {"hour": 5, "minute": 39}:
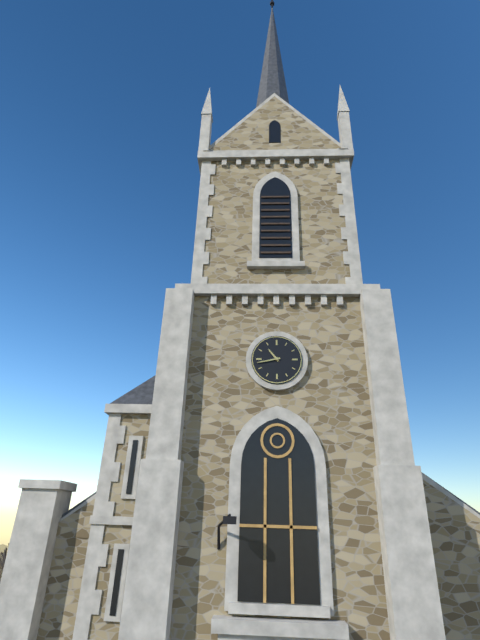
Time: {"hour": 10, "minute": 43}
